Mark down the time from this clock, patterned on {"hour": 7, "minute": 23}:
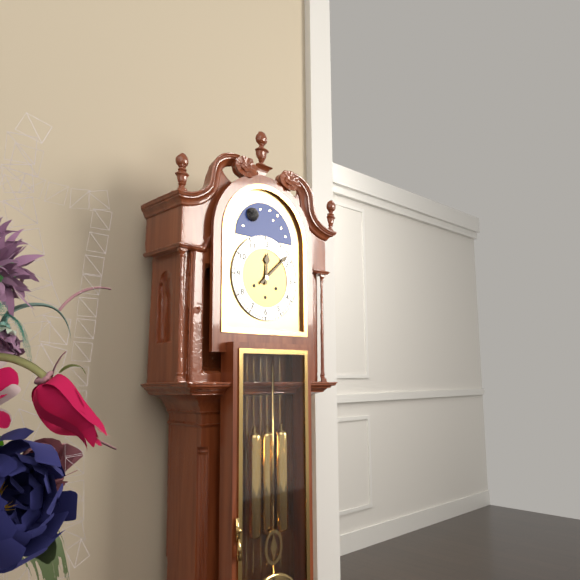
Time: {"hour": 12, "minute": 8}
